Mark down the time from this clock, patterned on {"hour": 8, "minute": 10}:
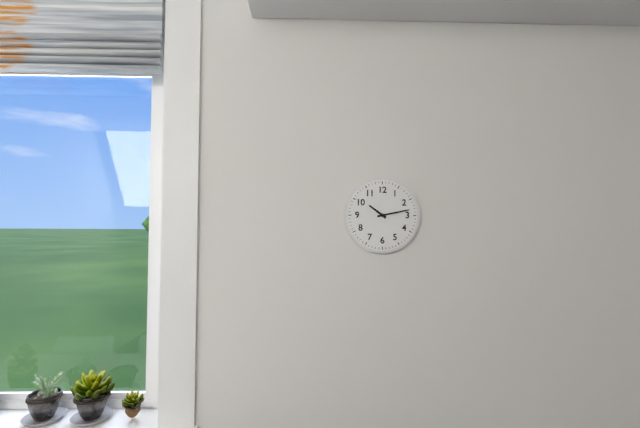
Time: {"hour": 10, "minute": 13}
